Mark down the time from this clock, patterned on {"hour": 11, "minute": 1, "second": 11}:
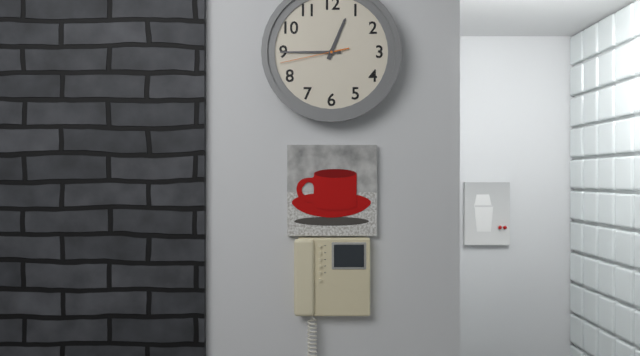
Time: {"hour": 12, "minute": 45, "second": 43}
